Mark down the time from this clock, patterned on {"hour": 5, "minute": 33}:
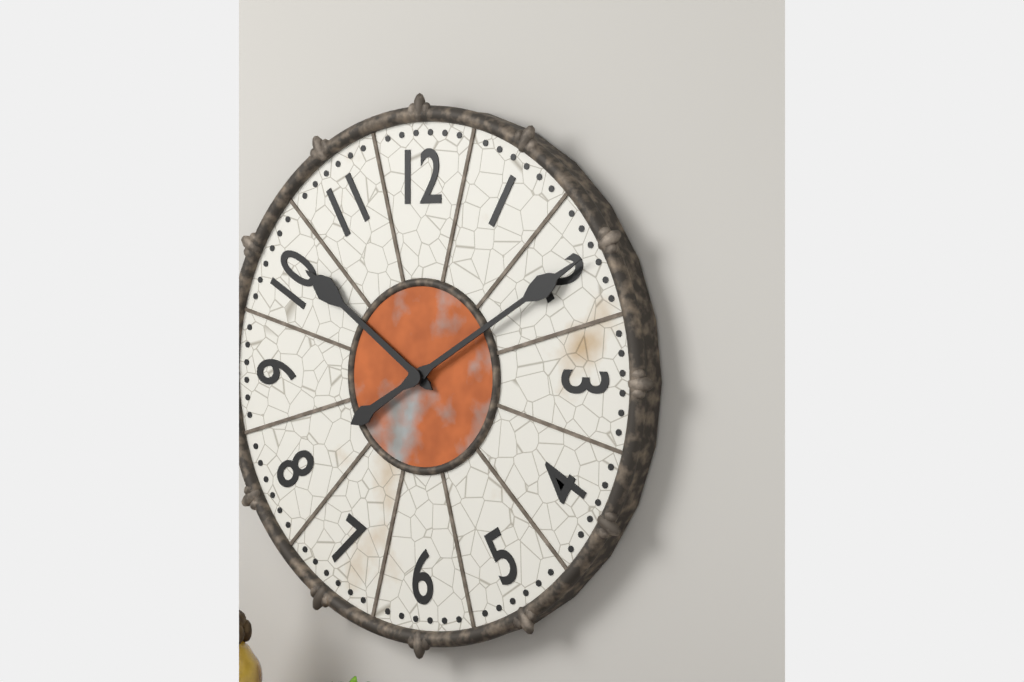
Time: {"hour": 10, "minute": 10}
